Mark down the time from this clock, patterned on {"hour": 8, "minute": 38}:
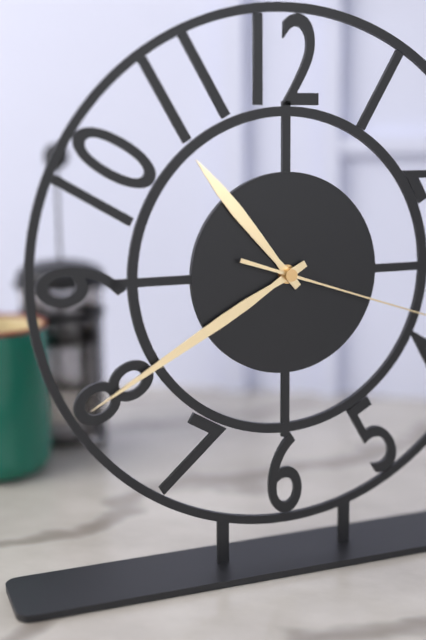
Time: {"hour": 10, "minute": 40}
